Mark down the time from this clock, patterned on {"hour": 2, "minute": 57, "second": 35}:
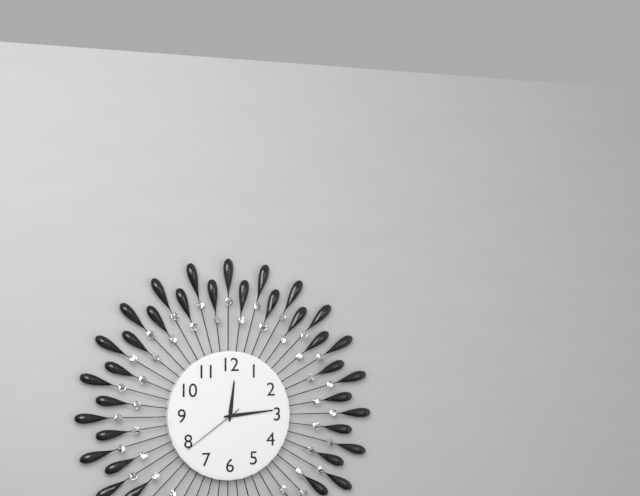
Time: {"hour": 12, "minute": 14, "second": 39}
